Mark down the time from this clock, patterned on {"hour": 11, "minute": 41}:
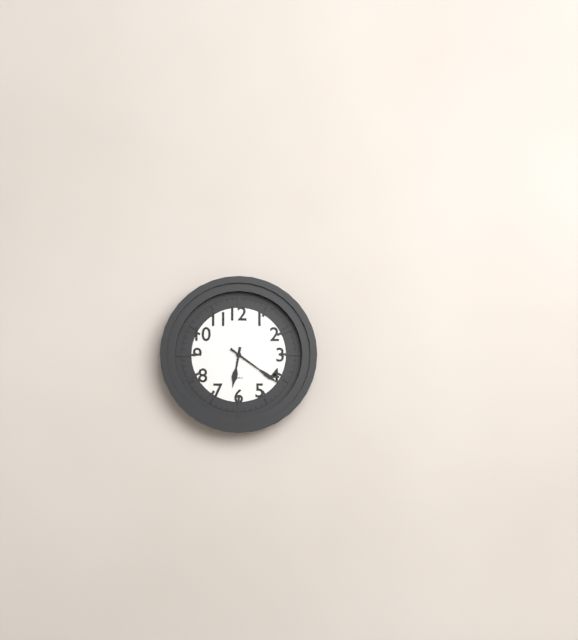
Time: {"hour": 6, "minute": 21}
